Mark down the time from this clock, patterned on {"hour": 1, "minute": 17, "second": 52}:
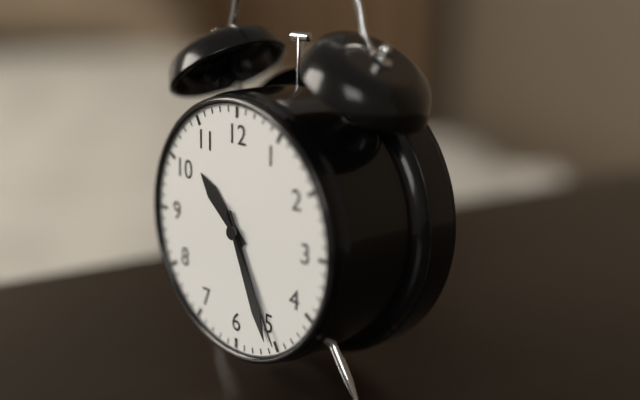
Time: {"hour": 10, "minute": 26, "second": 25}
